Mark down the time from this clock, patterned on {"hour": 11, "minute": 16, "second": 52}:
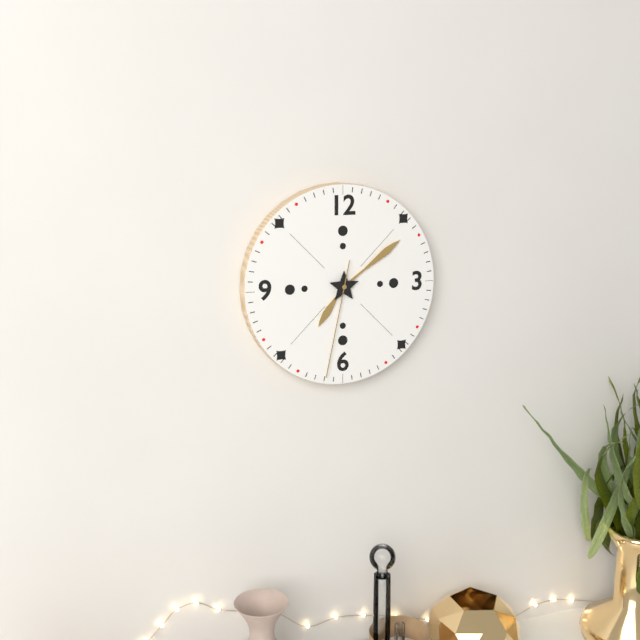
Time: {"hour": 7, "minute": 9, "second": 32}
